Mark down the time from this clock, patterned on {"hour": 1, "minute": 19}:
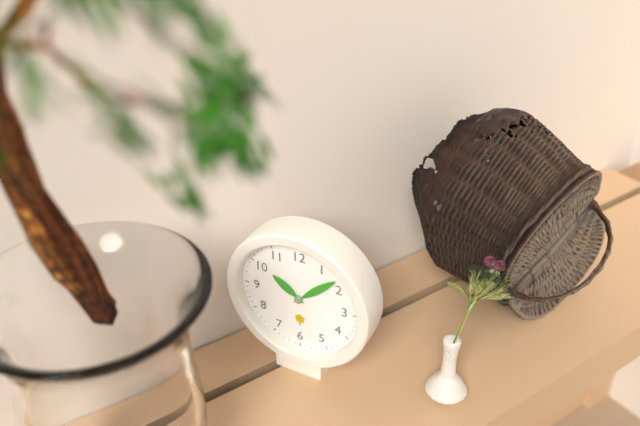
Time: {"hour": 10, "minute": 8}
